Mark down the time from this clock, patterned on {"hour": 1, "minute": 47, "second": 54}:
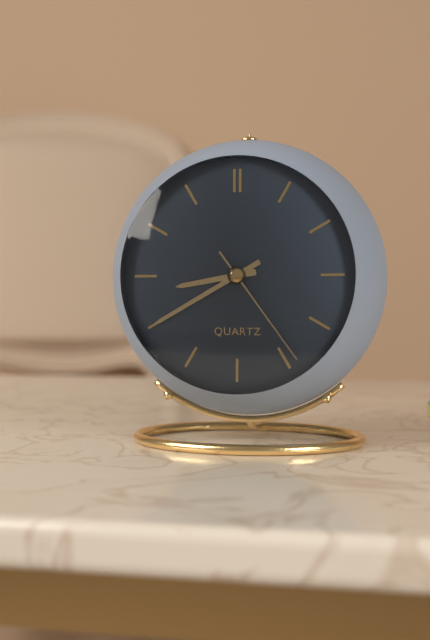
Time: {"hour": 8, "minute": 40, "second": 24}
